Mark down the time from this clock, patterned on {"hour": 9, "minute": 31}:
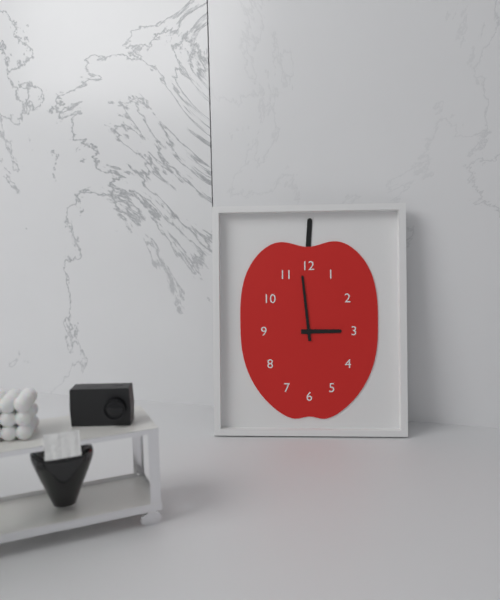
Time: {"hour": 2, "minute": 59}
